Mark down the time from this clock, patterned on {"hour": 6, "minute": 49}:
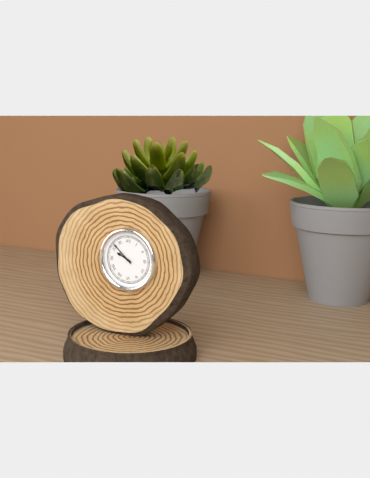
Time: {"hour": 9, "minute": 52}
